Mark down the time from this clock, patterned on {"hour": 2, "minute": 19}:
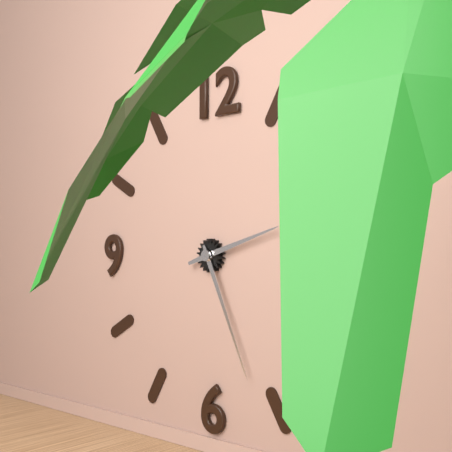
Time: {"hour": 2, "minute": 26}
